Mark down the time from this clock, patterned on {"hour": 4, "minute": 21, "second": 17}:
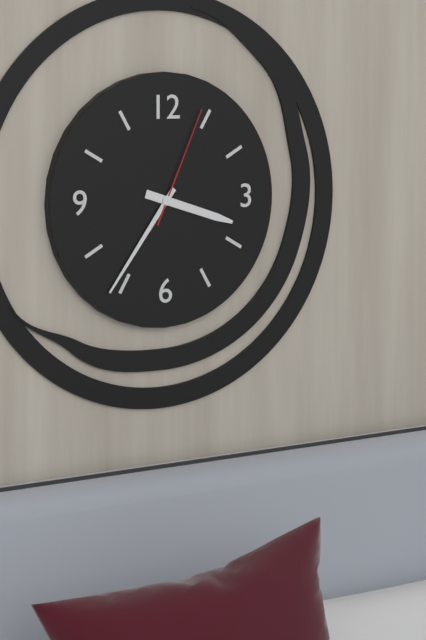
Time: {"hour": 3, "minute": 36, "second": 4}
